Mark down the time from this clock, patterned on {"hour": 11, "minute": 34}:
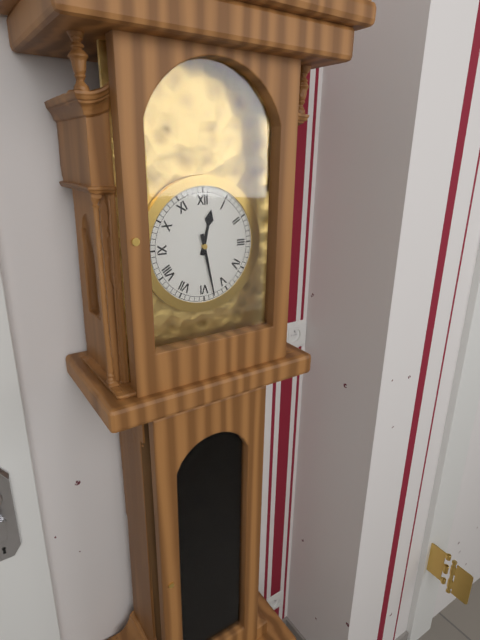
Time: {"hour": 12, "minute": 28}
